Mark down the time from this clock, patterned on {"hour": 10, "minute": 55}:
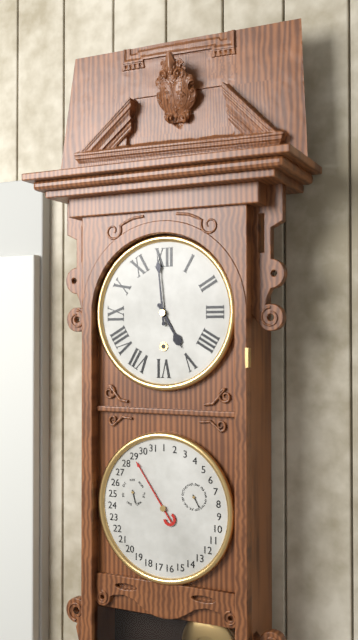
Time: {"hour": 4, "minute": 59}
